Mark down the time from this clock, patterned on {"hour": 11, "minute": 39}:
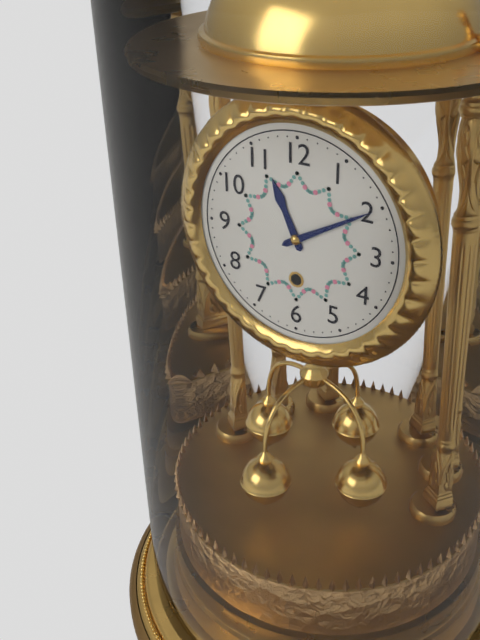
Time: {"hour": 11, "minute": 10}
